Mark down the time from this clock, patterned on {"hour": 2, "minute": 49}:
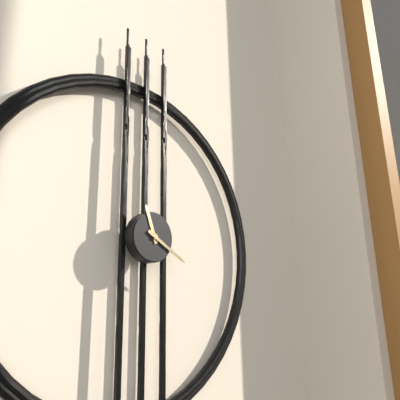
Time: {"hour": 11, "minute": 20}
